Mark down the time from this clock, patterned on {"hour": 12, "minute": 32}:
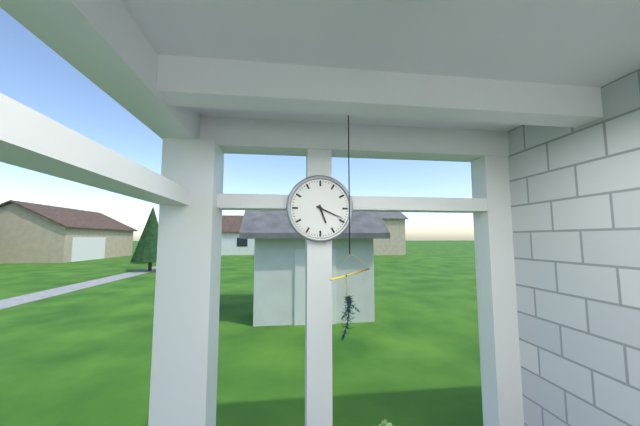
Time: {"hour": 5, "minute": 19}
